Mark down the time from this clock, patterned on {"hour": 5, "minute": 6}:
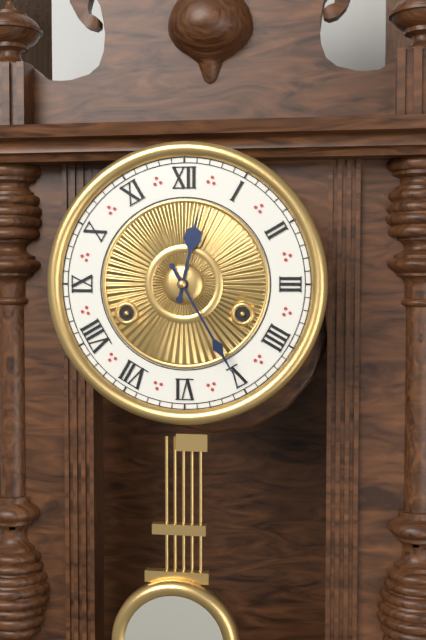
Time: {"hour": 12, "minute": 25}
